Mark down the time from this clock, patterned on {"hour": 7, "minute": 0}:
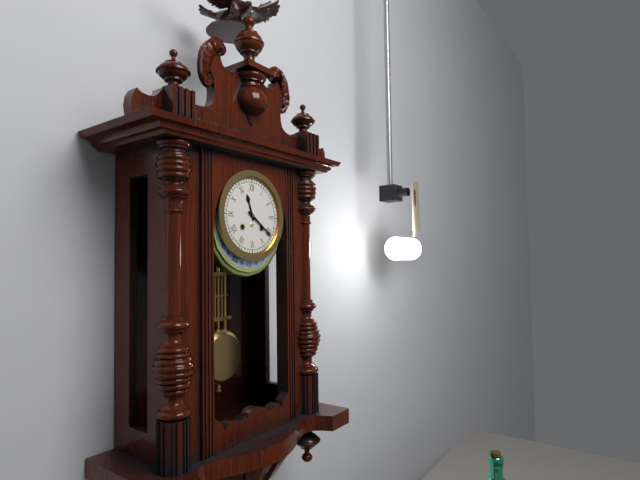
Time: {"hour": 11, "minute": 21}
